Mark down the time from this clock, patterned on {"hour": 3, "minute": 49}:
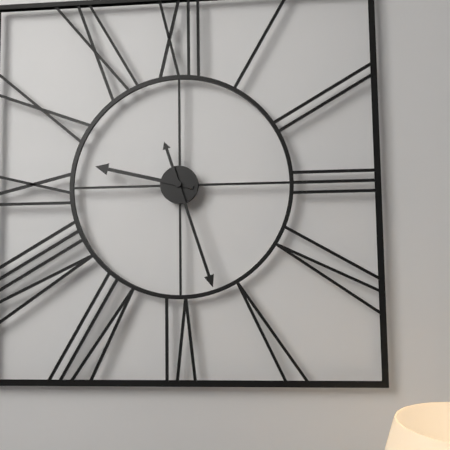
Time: {"hour": 9, "minute": 27}
